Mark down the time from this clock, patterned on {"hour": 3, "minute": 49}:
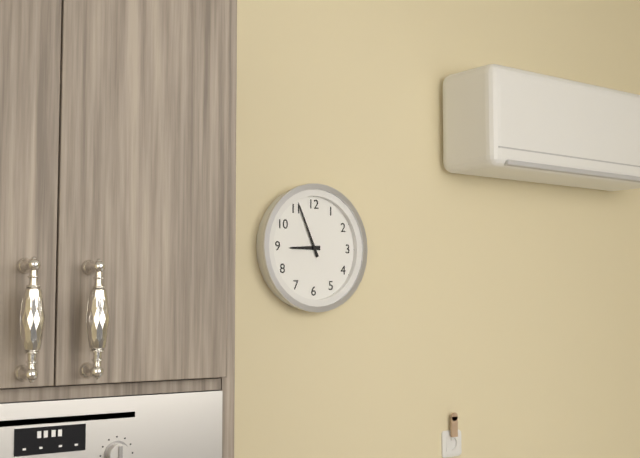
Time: {"hour": 8, "minute": 56}
